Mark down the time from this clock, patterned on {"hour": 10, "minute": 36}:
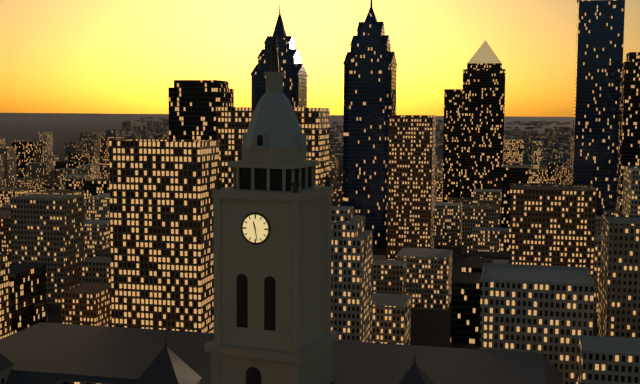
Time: {"hour": 11, "minute": 28}
